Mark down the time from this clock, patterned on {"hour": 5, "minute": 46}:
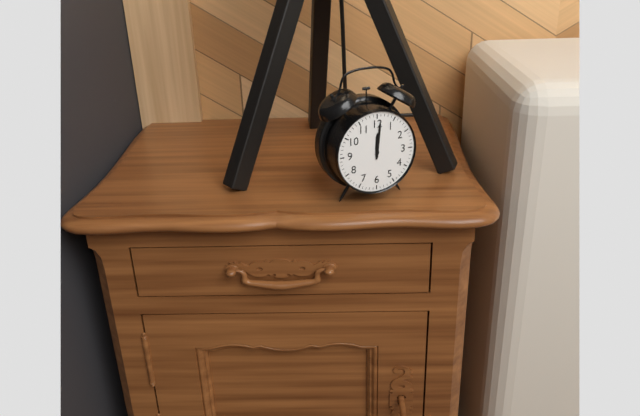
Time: {"hour": 12, "minute": 1}
